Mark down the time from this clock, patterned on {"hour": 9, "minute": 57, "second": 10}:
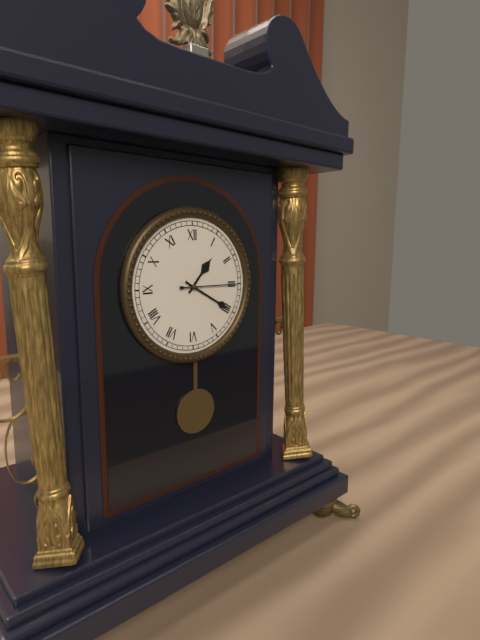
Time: {"hour": 1, "minute": 20, "second": 15}
